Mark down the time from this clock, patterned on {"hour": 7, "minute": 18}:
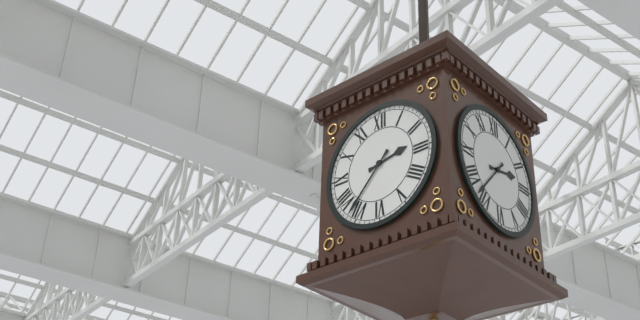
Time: {"hour": 2, "minute": 37}
